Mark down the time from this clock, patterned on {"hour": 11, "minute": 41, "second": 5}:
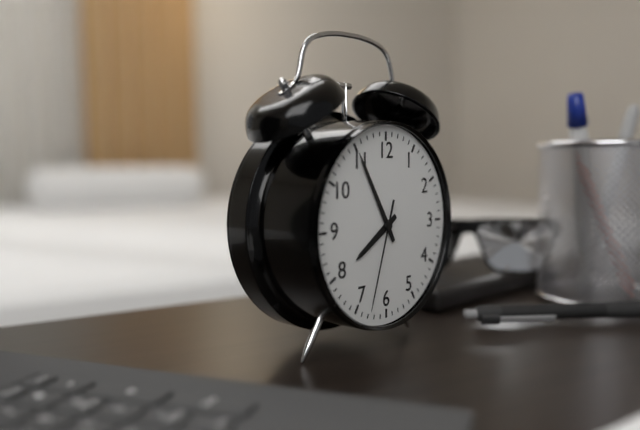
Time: {"hour": 7, "minute": 55, "second": 33}
